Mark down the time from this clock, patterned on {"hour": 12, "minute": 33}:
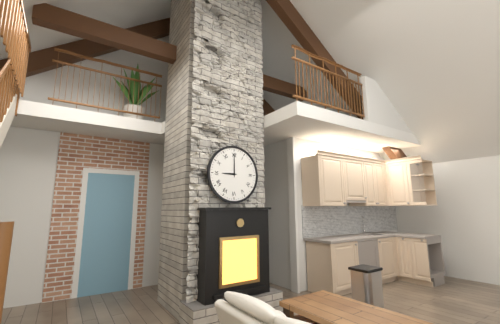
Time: {"hour": 9, "minute": 0}
